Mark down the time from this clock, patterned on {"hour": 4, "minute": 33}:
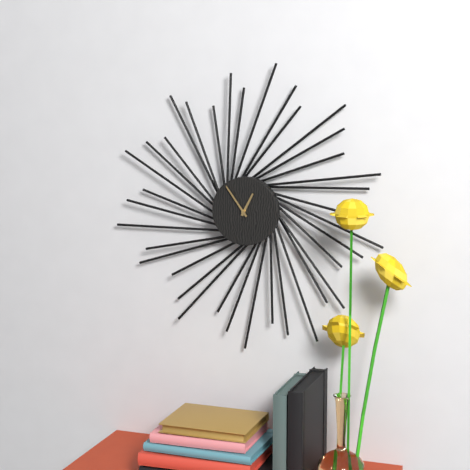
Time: {"hour": 12, "minute": 54}
